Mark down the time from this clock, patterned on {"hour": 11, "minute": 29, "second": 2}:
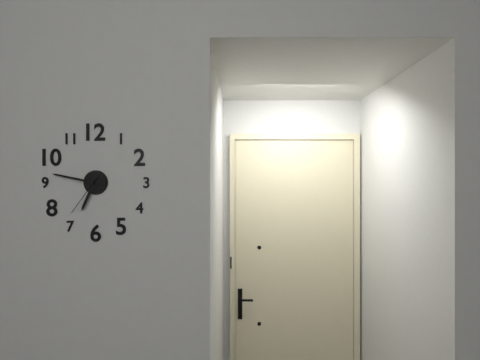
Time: {"hour": 6, "minute": 47, "second": 36}
